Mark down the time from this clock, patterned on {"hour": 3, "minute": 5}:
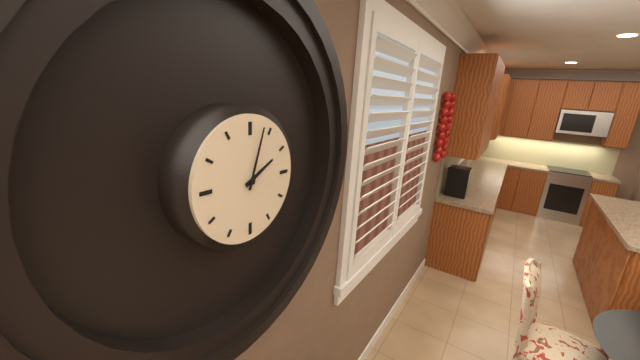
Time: {"hour": 2, "minute": 3}
